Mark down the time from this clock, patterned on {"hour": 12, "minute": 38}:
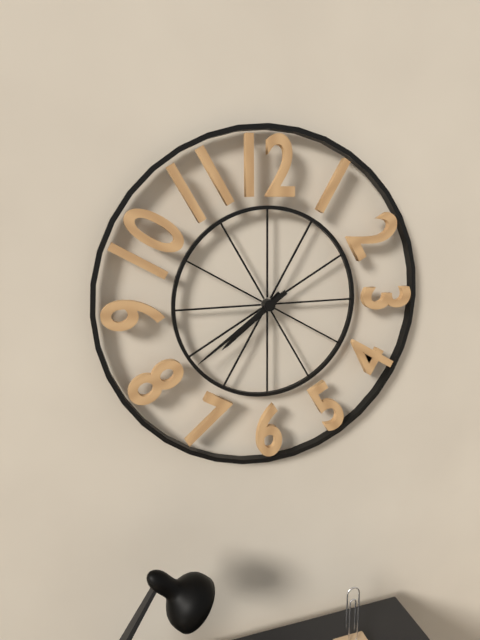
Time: {"hour": 7, "minute": 39}
